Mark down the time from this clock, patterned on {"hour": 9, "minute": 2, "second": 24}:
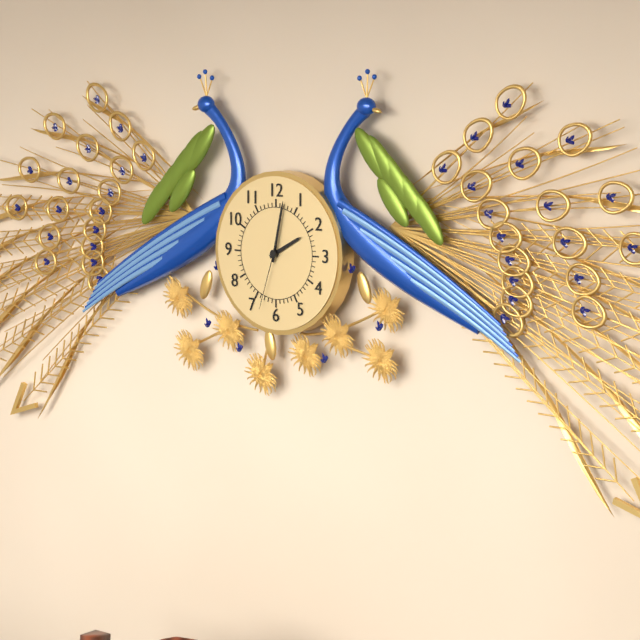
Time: {"hour": 2, "minute": 2, "second": 33}
